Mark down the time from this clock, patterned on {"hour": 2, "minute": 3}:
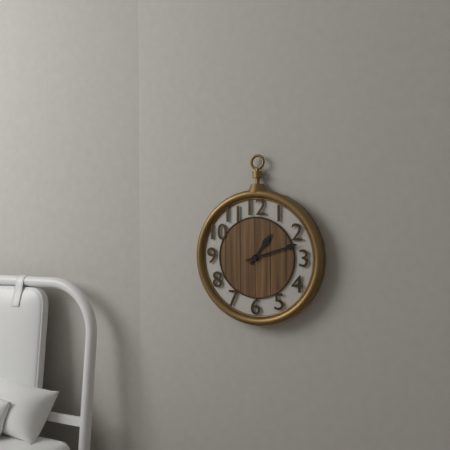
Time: {"hour": 1, "minute": 12}
